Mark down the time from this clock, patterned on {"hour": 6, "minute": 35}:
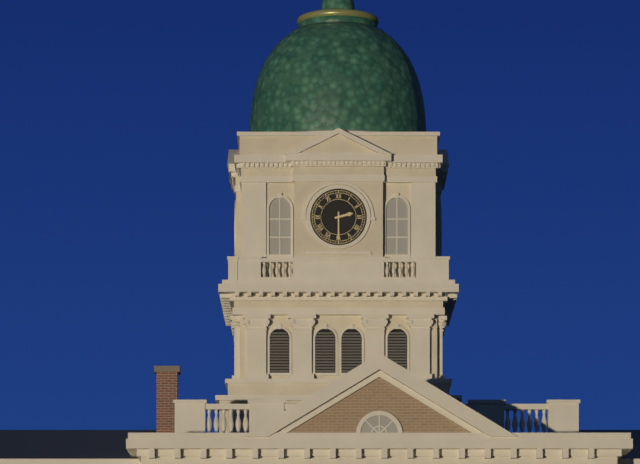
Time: {"hour": 2, "minute": 30}
